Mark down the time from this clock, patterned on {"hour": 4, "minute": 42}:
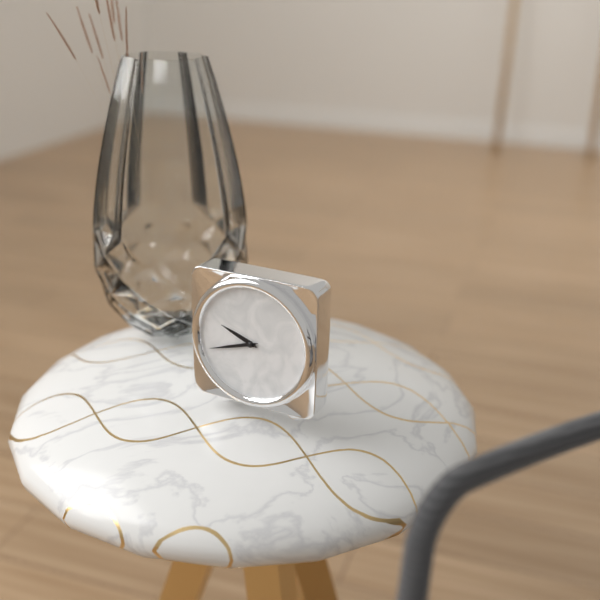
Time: {"hour": 9, "minute": 42}
